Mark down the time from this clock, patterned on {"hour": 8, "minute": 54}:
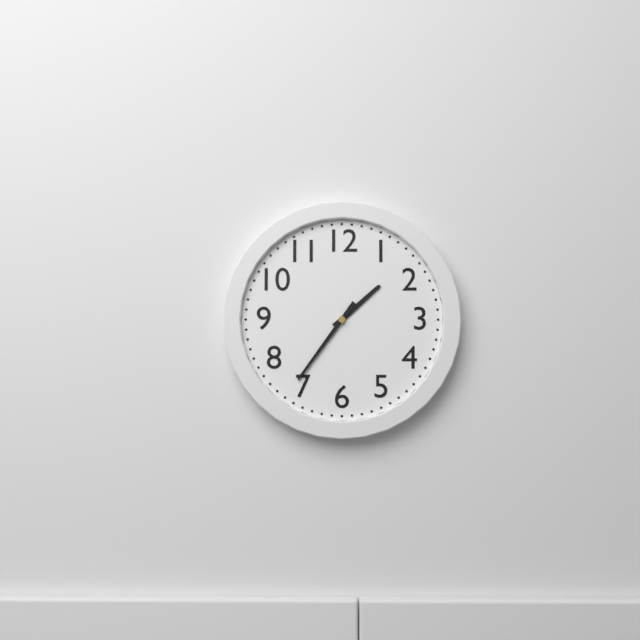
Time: {"hour": 1, "minute": 36}
